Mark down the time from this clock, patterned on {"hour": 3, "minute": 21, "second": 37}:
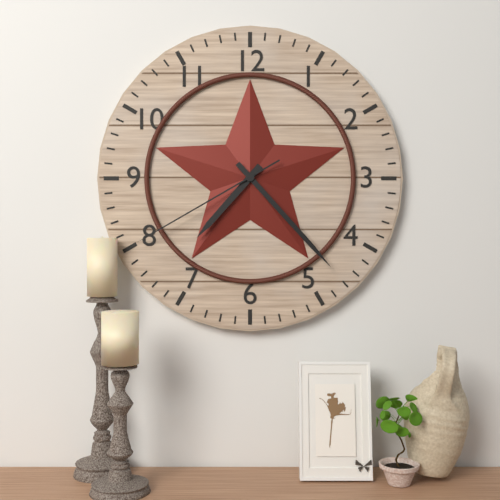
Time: {"hour": 7, "minute": 23, "second": 40}
